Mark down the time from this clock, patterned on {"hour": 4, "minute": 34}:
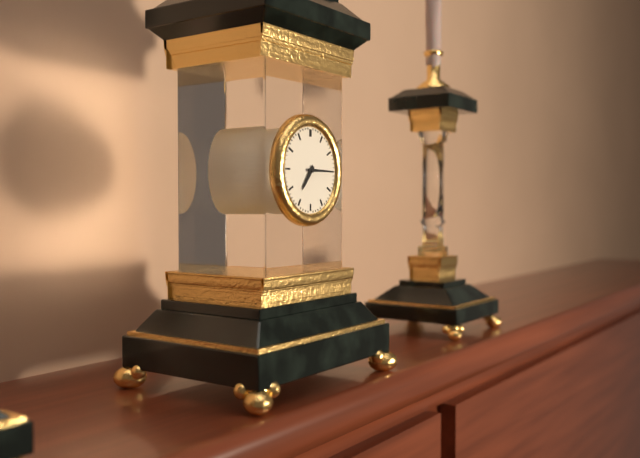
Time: {"hour": 7, "minute": 15}
